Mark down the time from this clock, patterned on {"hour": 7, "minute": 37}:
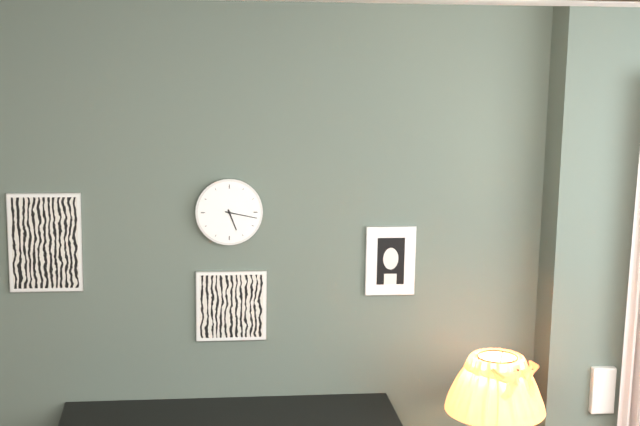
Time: {"hour": 5, "minute": 17}
